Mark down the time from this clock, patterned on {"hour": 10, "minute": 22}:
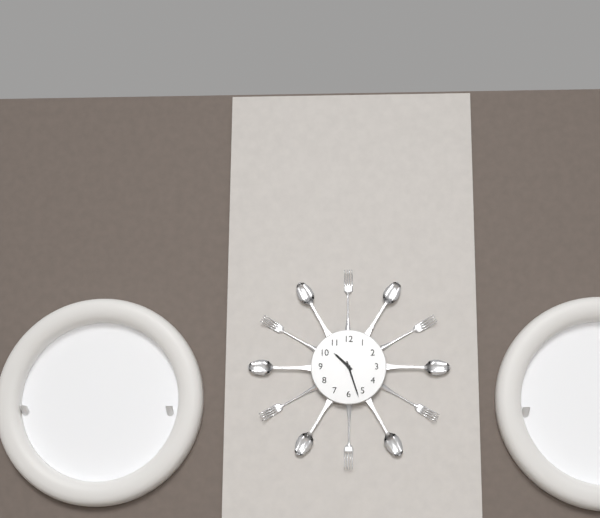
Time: {"hour": 10, "minute": 27}
